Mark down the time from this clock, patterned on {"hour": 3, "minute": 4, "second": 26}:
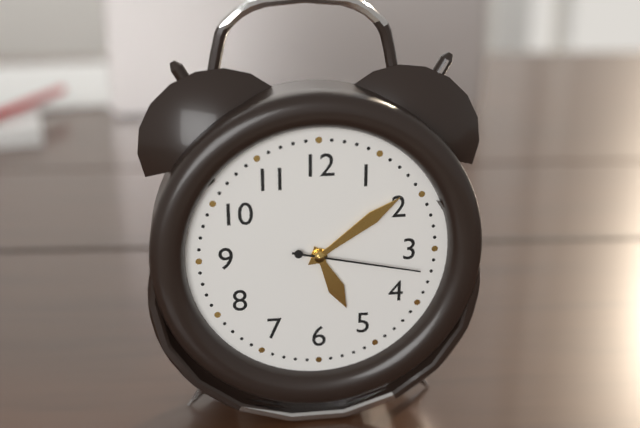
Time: {"hour": 5, "minute": 9, "second": 17}
